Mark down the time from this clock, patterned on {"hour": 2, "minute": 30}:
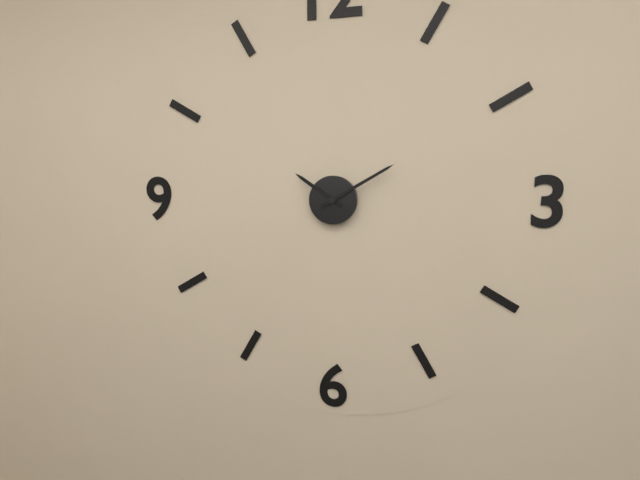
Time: {"hour": 10, "minute": 10}
